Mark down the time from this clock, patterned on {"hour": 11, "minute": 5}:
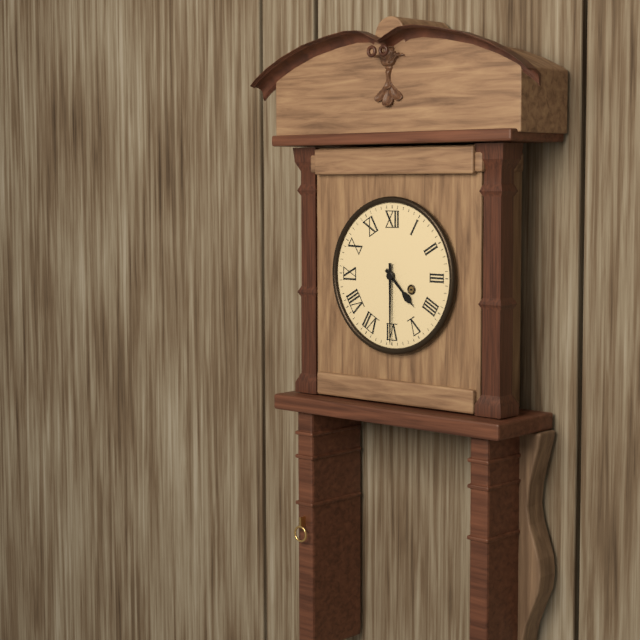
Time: {"hour": 4, "minute": 30}
